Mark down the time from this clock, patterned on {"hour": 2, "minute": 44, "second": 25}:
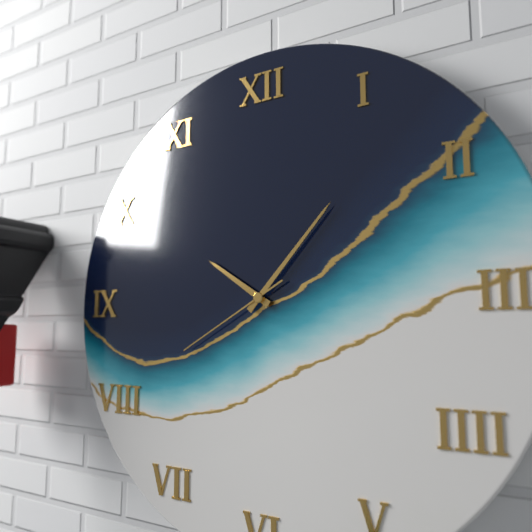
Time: {"hour": 10, "minute": 7, "second": 40}
